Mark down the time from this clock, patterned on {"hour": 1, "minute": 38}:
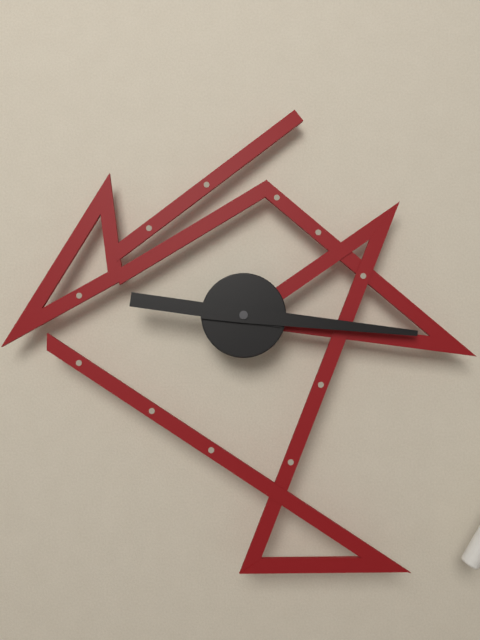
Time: {"hour": 9, "minute": 16}
